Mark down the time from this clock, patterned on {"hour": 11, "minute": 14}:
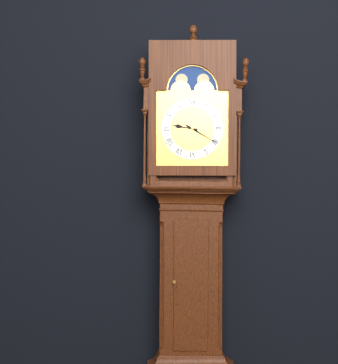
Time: {"hour": 9, "minute": 20}
